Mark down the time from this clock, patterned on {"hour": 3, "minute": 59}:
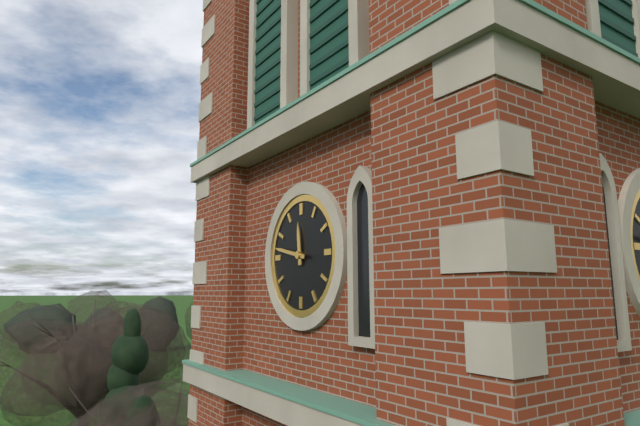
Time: {"hour": 11, "minute": 47}
